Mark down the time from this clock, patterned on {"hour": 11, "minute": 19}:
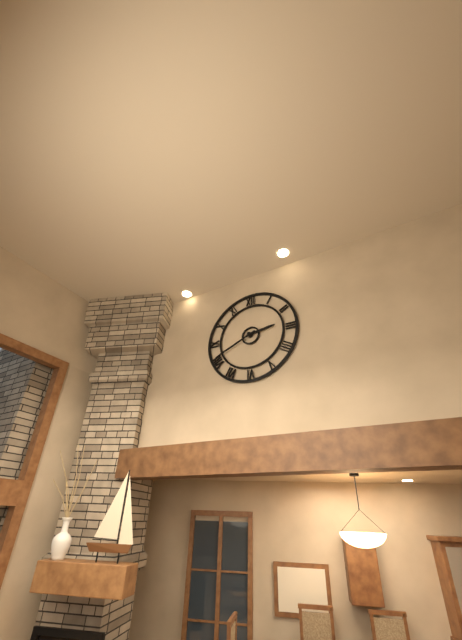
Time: {"hour": 2, "minute": 41}
